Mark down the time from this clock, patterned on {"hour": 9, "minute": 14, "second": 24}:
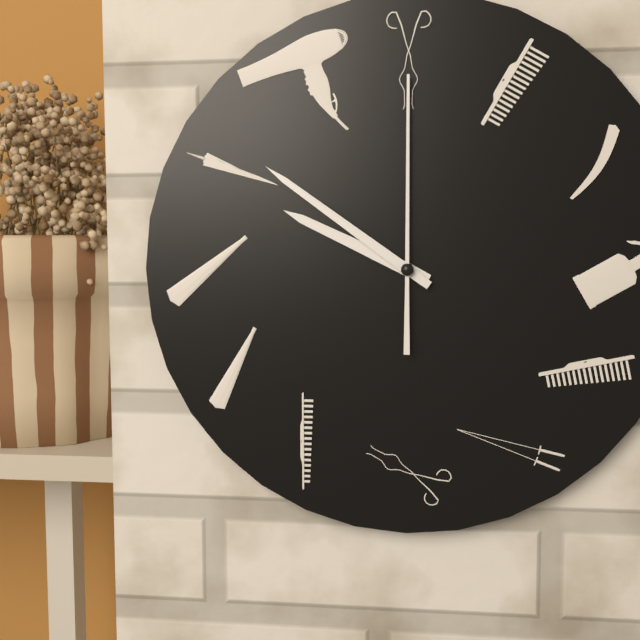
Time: {"hour": 9, "minute": 51, "second": 0}
